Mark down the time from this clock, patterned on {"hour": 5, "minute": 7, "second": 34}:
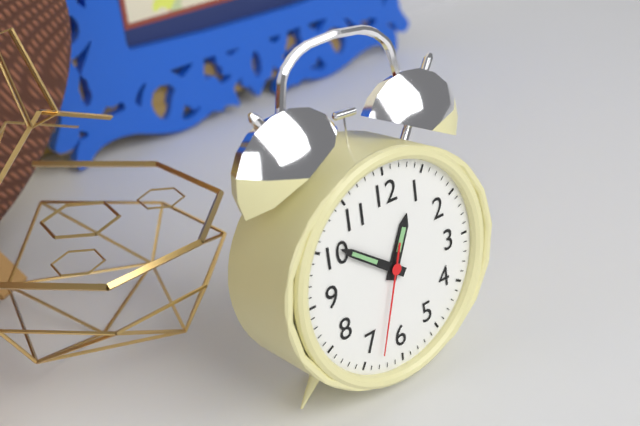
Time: {"hour": 12, "minute": 51, "second": 33}
